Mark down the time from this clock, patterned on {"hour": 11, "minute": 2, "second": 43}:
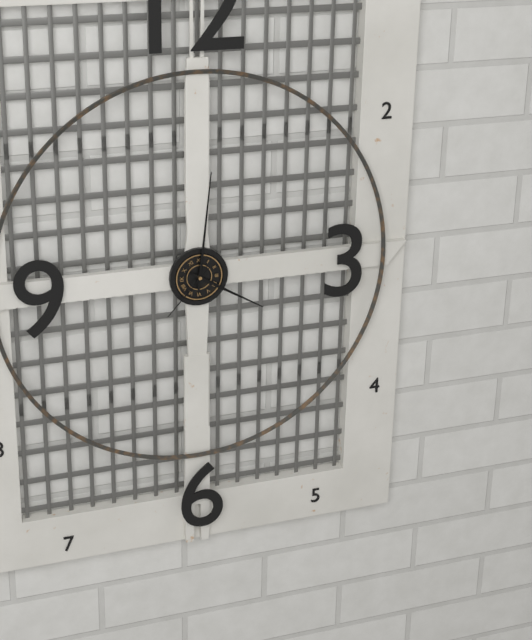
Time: {"hour": 4, "minute": 1, "second": 37}
